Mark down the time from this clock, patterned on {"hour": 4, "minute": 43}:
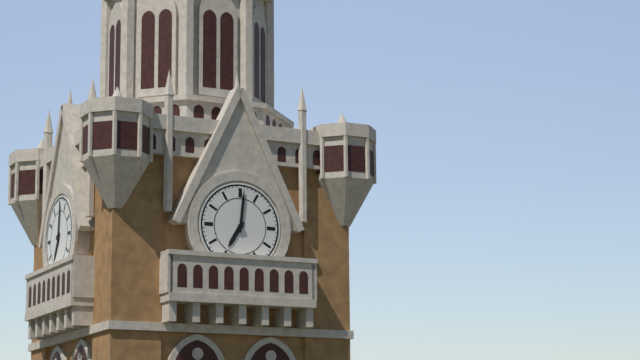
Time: {"hour": 7, "minute": 1}
